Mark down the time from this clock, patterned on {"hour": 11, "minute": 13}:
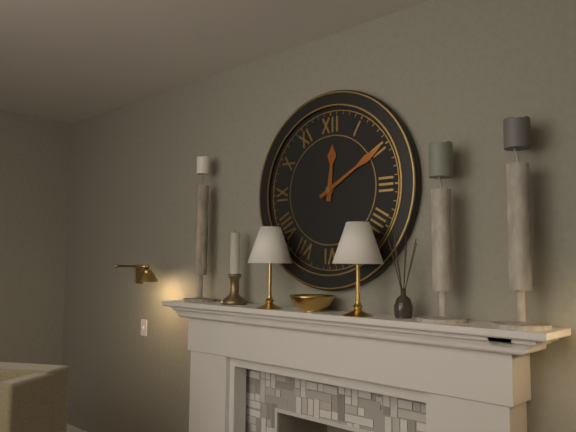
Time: {"hour": 12, "minute": 10}
